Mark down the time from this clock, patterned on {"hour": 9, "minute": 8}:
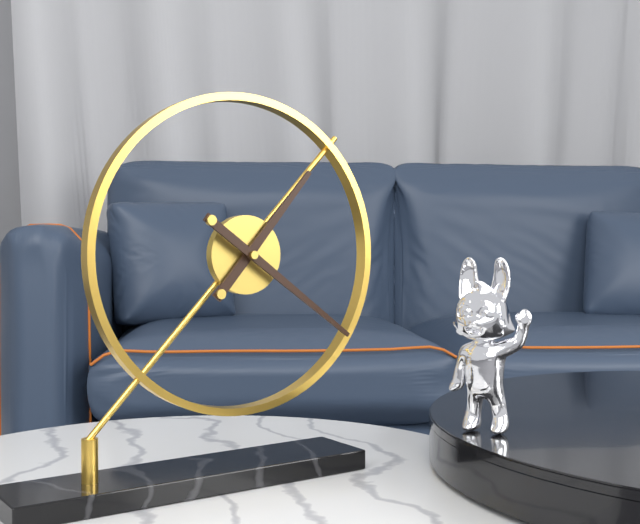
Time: {"hour": 1, "minute": 21}
